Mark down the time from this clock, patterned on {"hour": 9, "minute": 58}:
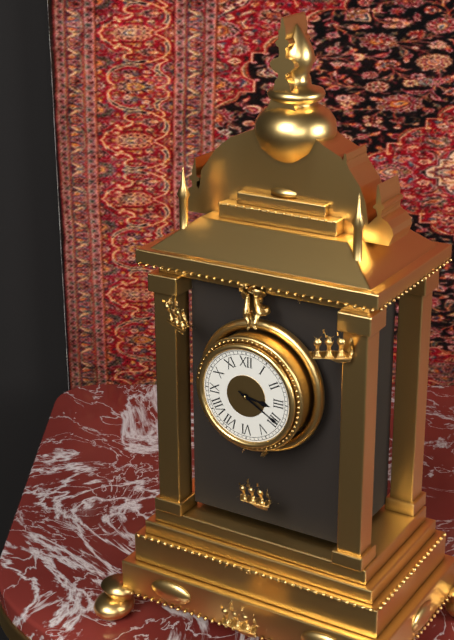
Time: {"hour": 3, "minute": 20}
